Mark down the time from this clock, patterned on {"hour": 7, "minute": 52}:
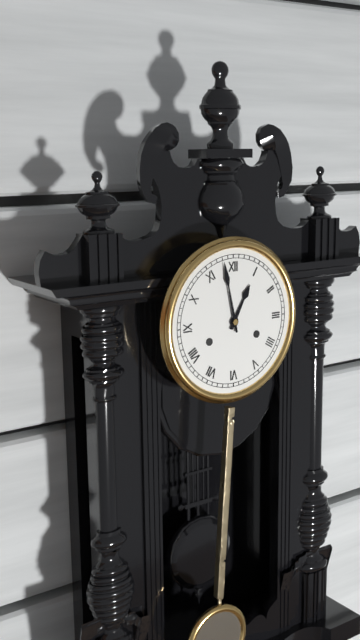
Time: {"hour": 12, "minute": 58}
